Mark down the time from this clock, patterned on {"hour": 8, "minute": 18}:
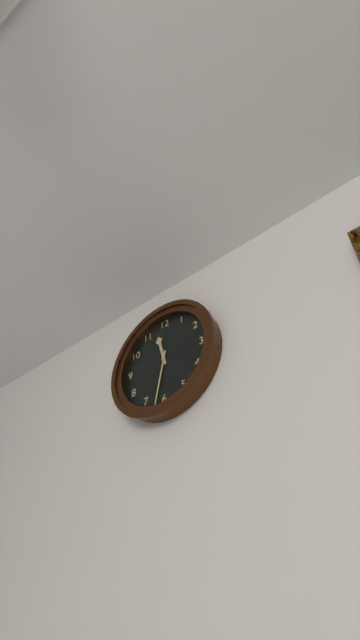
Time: {"hour": 11, "minute": 32}
